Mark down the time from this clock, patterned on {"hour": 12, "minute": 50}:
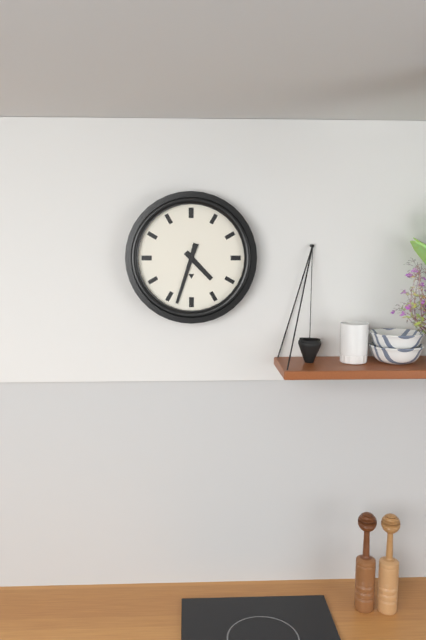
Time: {"hour": 4, "minute": 33}
